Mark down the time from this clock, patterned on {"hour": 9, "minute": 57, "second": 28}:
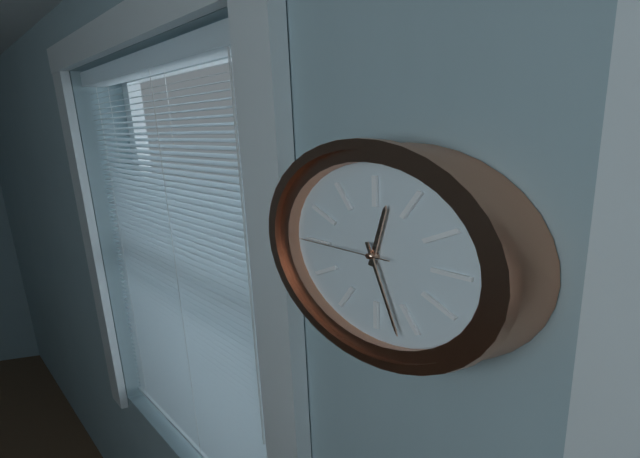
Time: {"hour": 12, "minute": 27, "second": 45}
